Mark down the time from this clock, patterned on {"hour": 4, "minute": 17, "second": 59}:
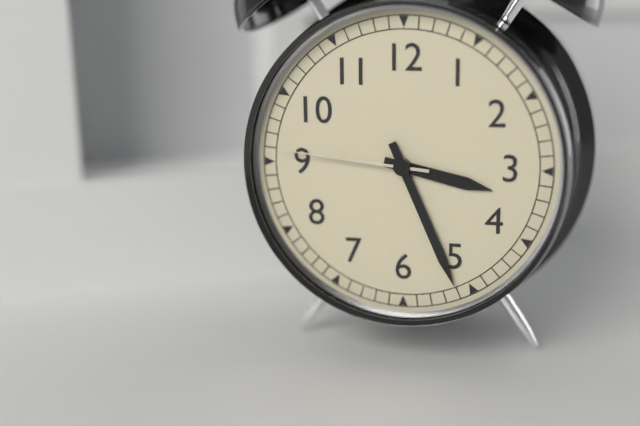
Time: {"hour": 3, "minute": 26, "second": 46}
